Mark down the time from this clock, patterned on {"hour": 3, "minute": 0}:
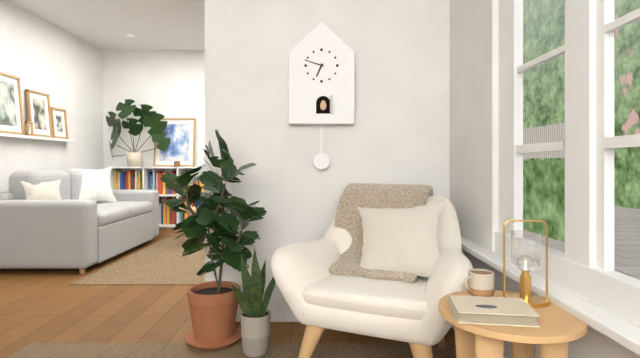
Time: {"hour": 6, "minute": 48}
